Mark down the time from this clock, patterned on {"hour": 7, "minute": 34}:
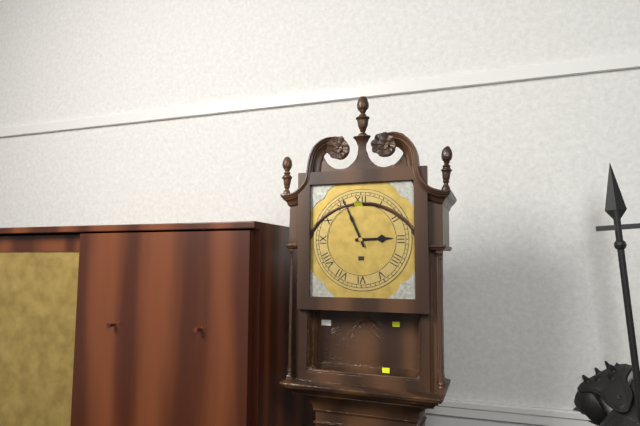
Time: {"hour": 2, "minute": 56}
